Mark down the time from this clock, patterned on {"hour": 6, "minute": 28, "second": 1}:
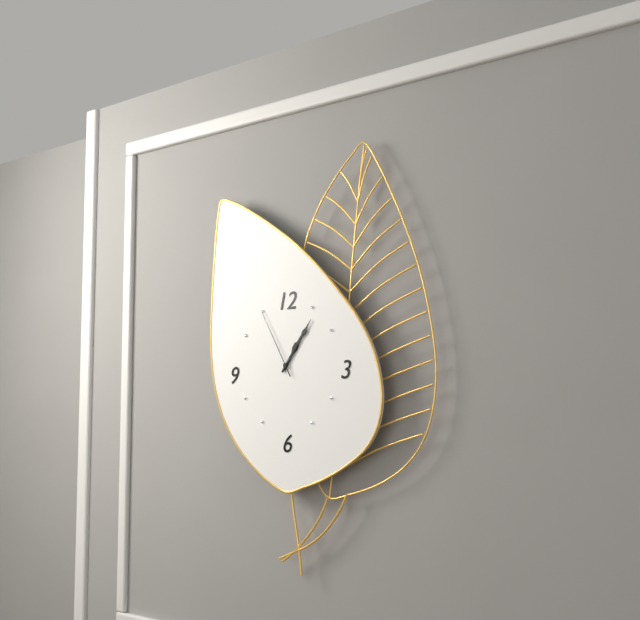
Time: {"hour": 1, "minute": 6, "second": 55}
